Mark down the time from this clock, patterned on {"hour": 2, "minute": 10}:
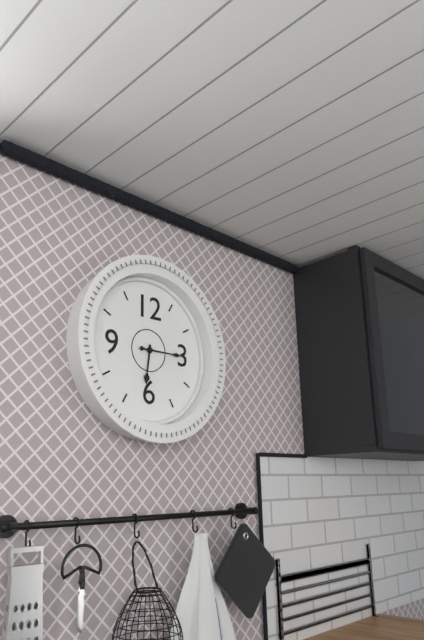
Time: {"hour": 6, "minute": 15}
